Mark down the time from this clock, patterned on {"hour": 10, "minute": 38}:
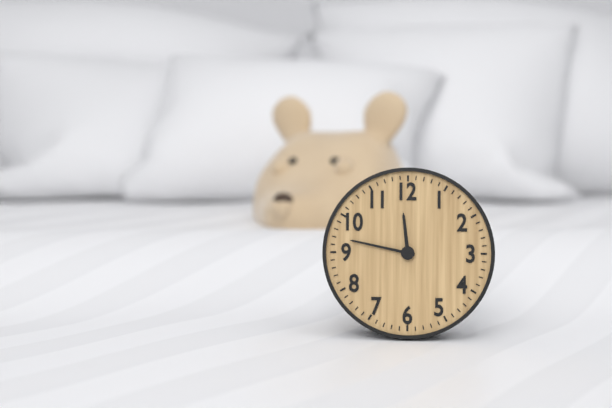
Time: {"hour": 11, "minute": 47}
